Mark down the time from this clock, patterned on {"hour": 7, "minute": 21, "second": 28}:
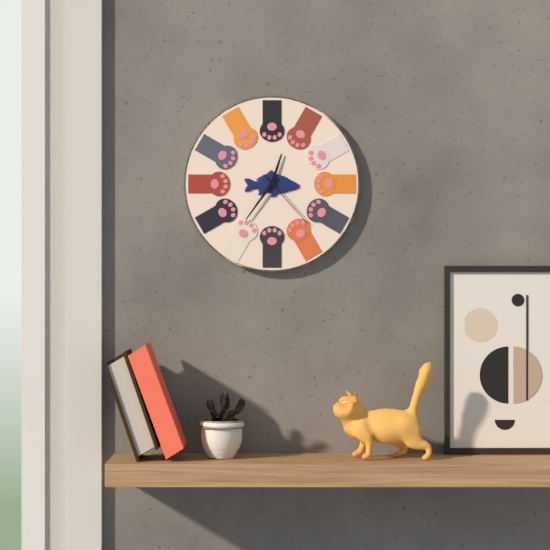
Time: {"hour": 12, "minute": 36, "second": 23}
